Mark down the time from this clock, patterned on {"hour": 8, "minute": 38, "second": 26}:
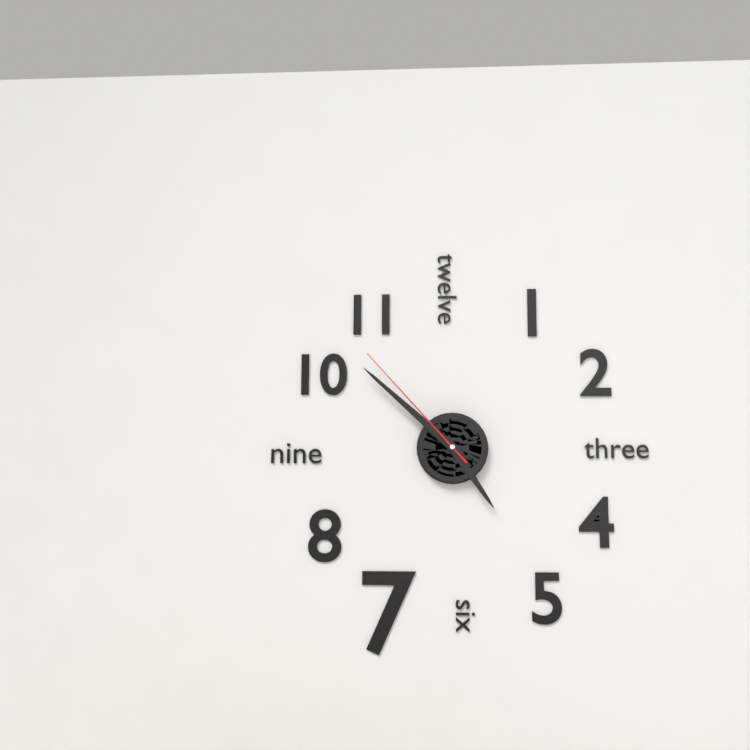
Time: {"hour": 4, "minute": 52, "second": 53}
